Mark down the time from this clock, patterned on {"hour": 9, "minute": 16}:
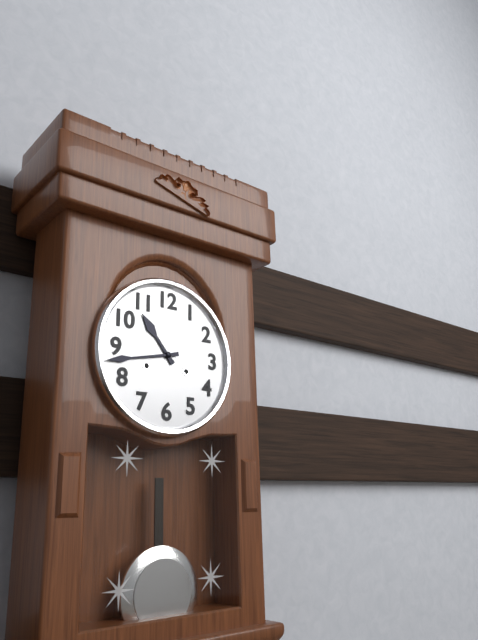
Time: {"hour": 10, "minute": 43}
